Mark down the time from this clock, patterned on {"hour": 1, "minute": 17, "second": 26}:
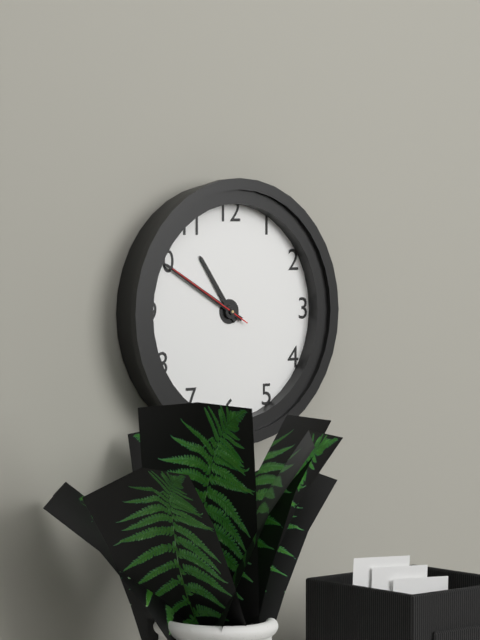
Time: {"hour": 10, "minute": 50, "second": 50}
